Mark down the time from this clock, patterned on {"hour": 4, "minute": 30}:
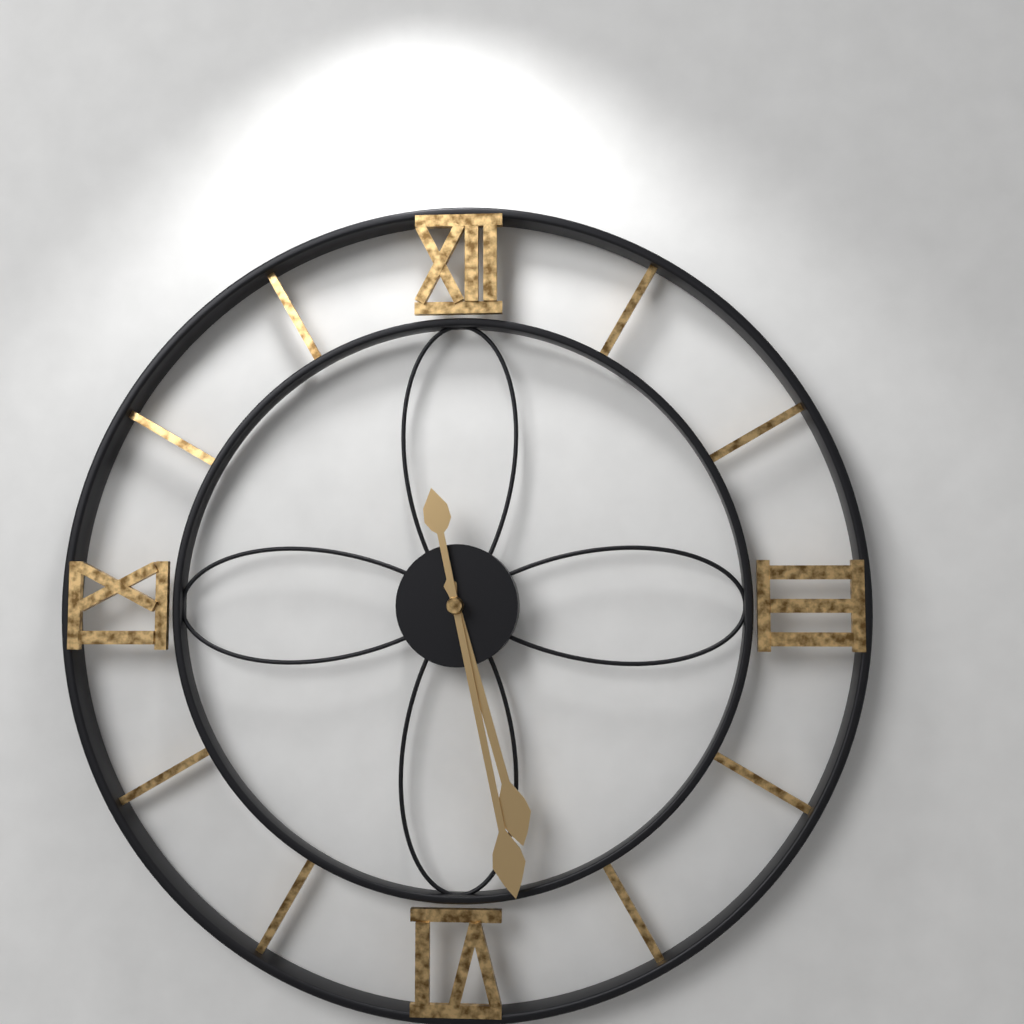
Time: {"hour": 5, "minute": 28}
